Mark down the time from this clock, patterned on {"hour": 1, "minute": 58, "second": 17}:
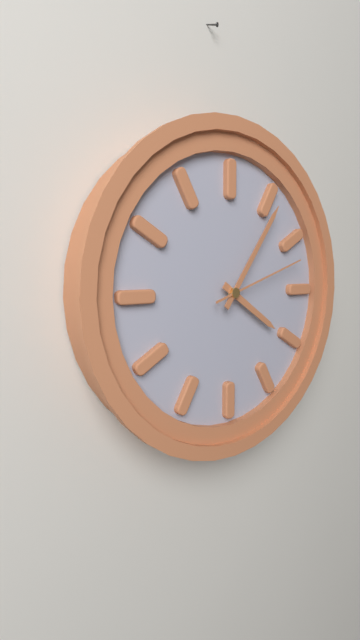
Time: {"hour": 4, "minute": 6, "second": 12}
